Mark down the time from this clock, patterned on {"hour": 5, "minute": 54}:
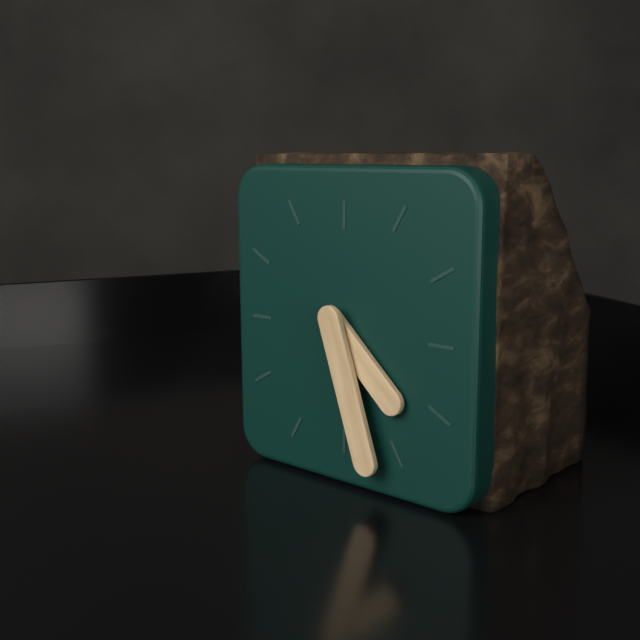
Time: {"hour": 4, "minute": 27}
